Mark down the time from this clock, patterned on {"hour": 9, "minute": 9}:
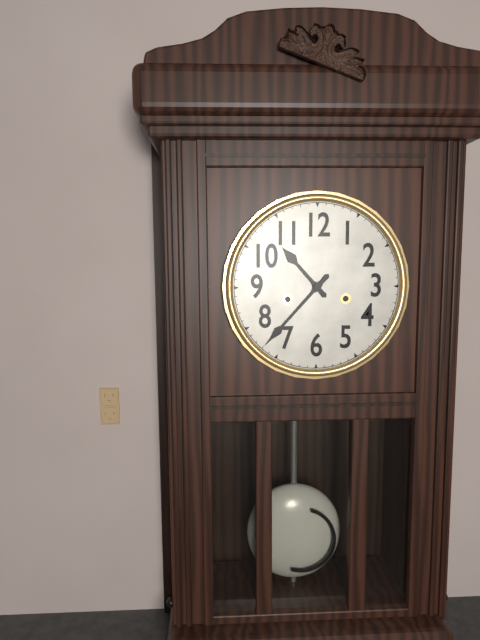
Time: {"hour": 10, "minute": 37}
